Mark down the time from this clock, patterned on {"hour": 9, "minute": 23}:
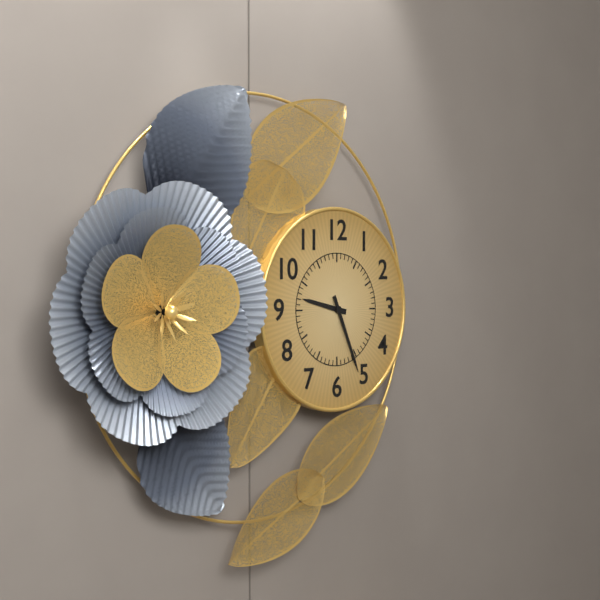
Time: {"hour": 9, "minute": 26}
